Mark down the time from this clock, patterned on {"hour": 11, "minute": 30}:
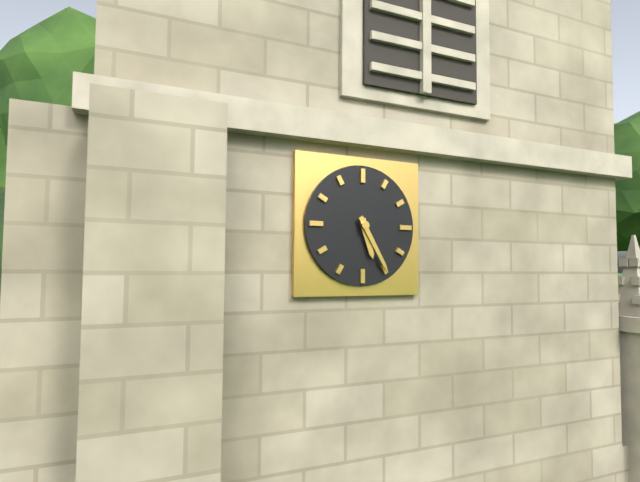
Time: {"hour": 5, "minute": 25}
